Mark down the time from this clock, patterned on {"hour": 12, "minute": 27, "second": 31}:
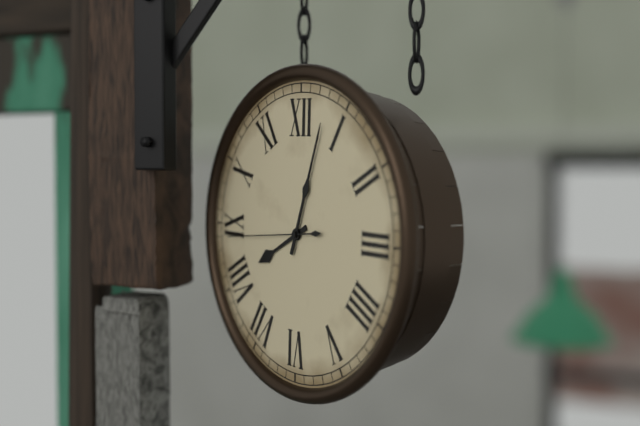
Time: {"hour": 8, "minute": 3, "second": 44}
